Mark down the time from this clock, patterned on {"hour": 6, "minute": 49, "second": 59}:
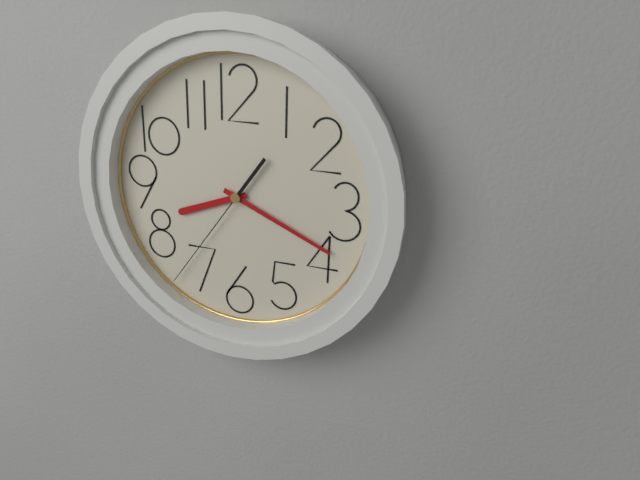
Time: {"hour": 8, "minute": 19, "second": 36}
